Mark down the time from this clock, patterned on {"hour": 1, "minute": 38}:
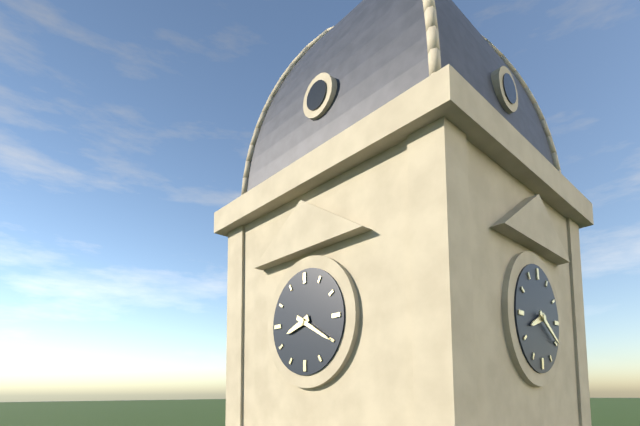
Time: {"hour": 8, "minute": 20}
